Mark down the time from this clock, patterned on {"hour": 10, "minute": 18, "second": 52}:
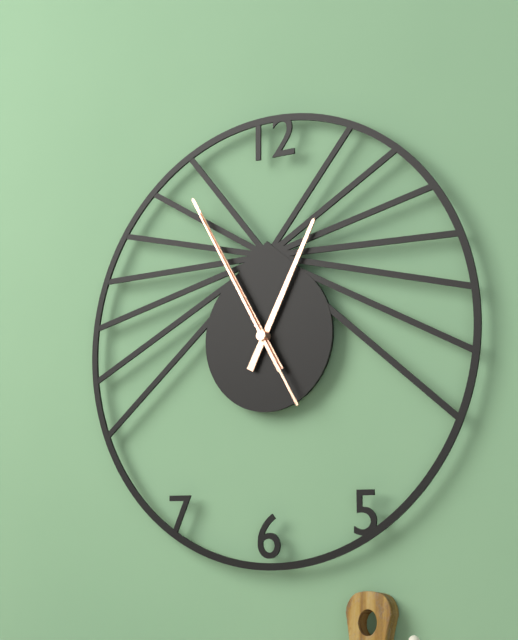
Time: {"hour": 12, "minute": 55, "second": 55}
